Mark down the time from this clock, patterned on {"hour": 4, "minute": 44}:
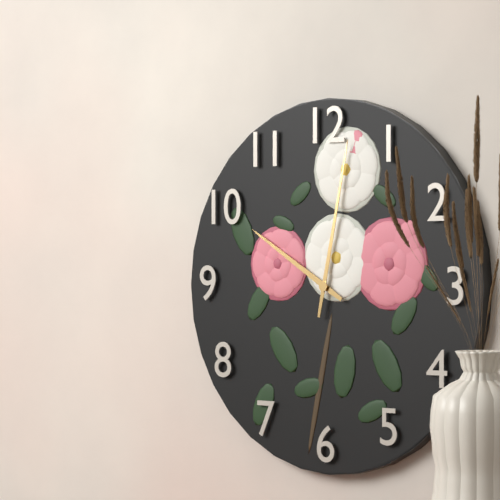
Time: {"hour": 10, "minute": 2}
